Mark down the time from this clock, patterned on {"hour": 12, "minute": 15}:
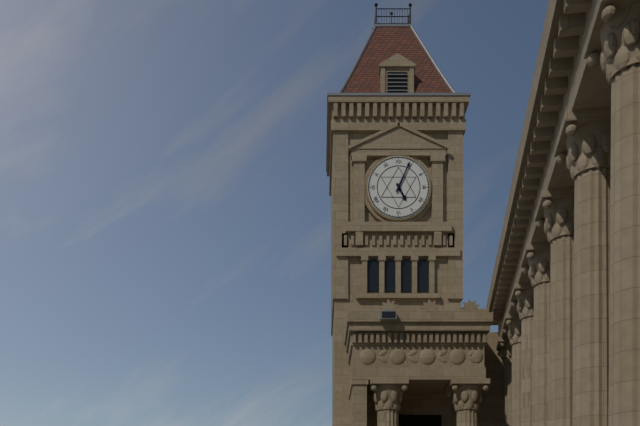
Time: {"hour": 5, "minute": 4}
